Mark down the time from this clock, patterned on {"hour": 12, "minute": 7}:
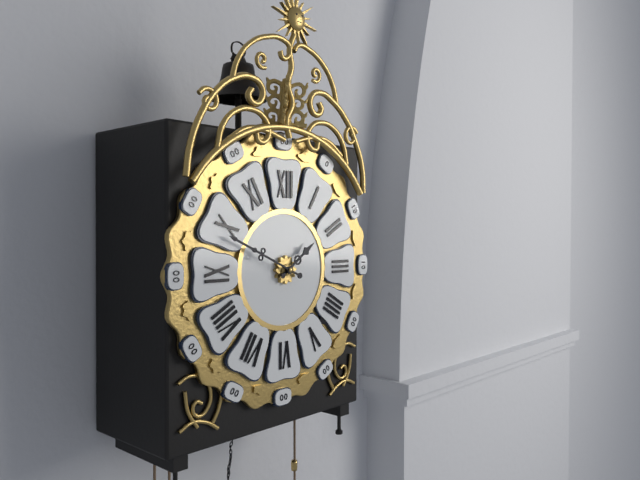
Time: {"hour": 1, "minute": 49}
